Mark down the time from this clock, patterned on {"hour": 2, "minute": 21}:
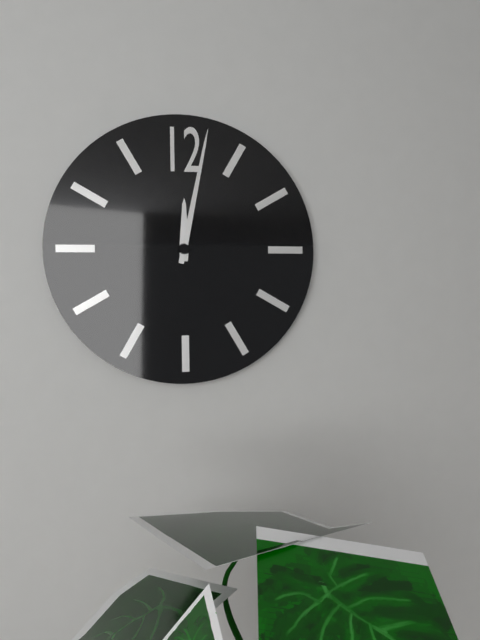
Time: {"hour": 12, "minute": 2}
